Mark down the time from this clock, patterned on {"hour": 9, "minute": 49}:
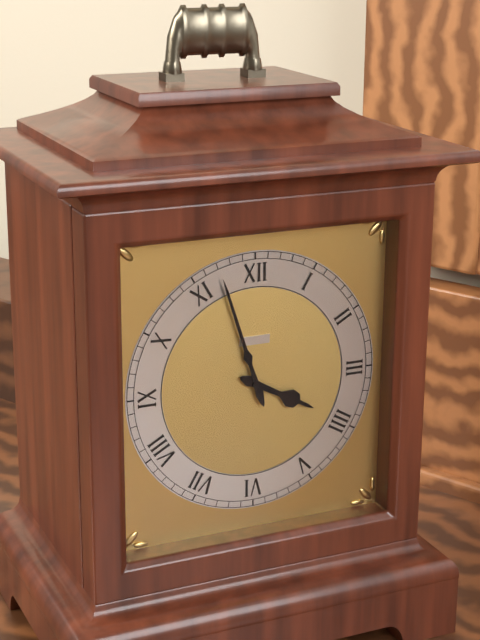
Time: {"hour": 3, "minute": 57}
